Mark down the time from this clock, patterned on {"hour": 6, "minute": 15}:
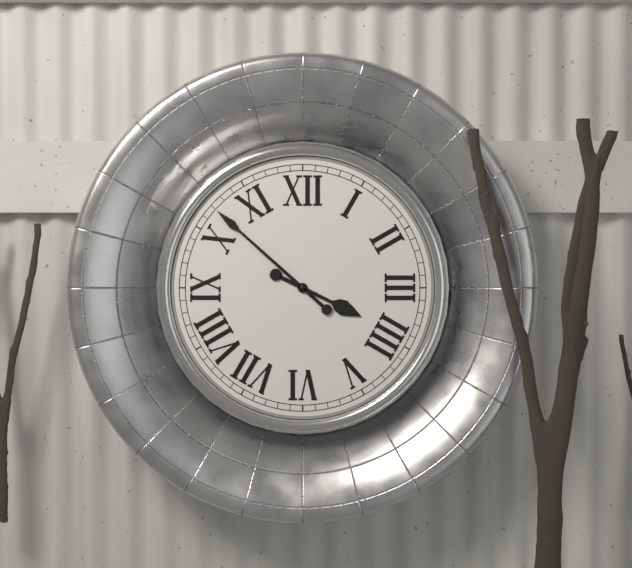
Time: {"hour": 3, "minute": 52}
